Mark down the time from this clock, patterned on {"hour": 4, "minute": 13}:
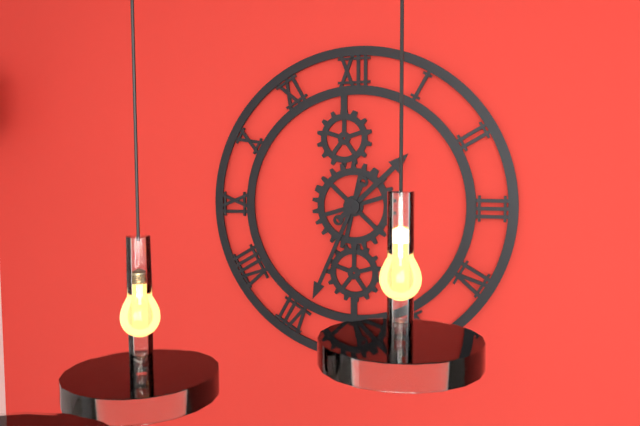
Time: {"hour": 1, "minute": 34}
